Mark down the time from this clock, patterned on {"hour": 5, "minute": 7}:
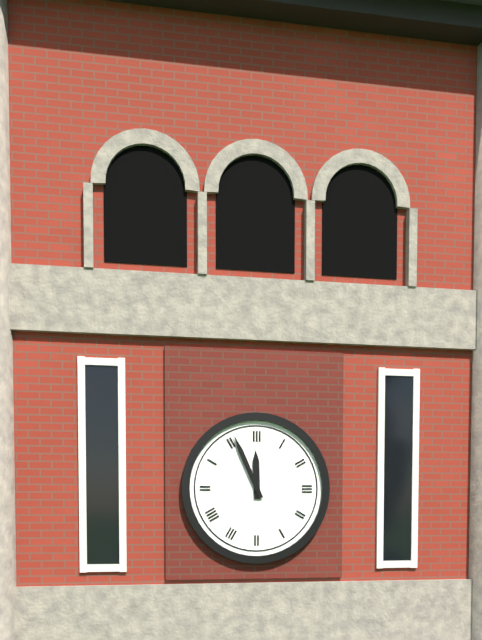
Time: {"hour": 11, "minute": 56}
